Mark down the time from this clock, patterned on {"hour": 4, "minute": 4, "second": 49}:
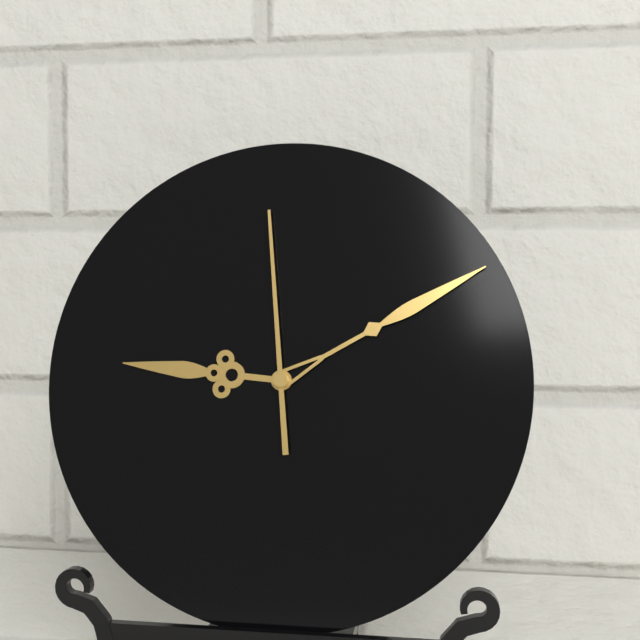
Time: {"hour": 9, "minute": 10, "second": 59}
